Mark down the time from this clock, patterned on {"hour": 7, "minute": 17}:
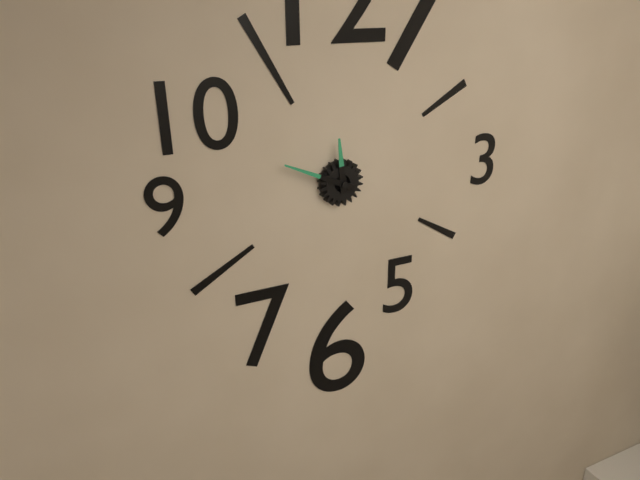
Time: {"hour": 11, "minute": 49}
